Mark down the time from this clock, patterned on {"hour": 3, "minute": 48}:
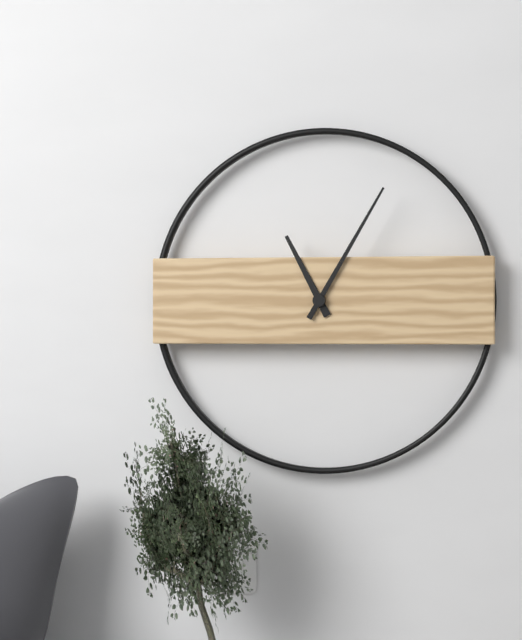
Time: {"hour": 11, "minute": 5}
